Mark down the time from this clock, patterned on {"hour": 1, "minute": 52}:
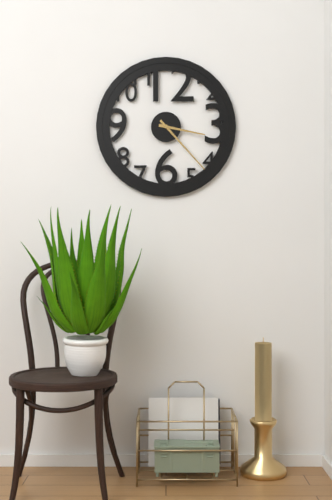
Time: {"hour": 3, "minute": 23}
